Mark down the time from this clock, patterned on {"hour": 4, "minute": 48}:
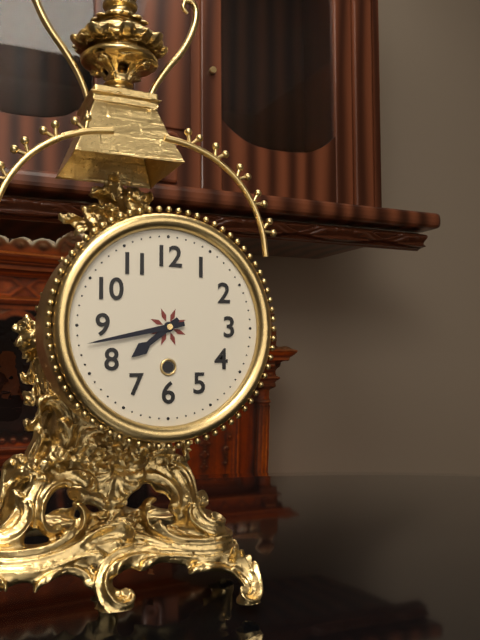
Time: {"hour": 7, "minute": 43}
